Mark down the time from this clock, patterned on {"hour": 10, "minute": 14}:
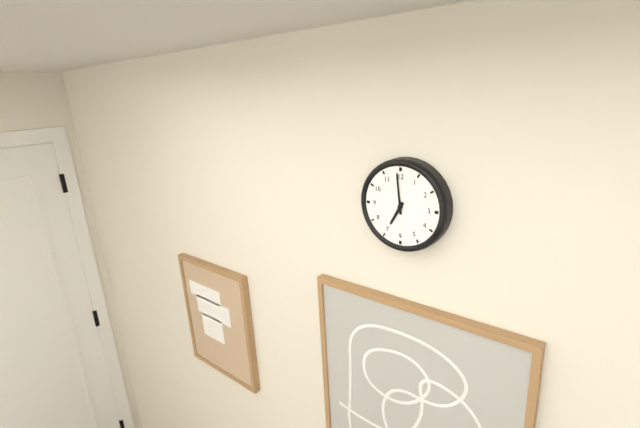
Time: {"hour": 6, "minute": 59}
